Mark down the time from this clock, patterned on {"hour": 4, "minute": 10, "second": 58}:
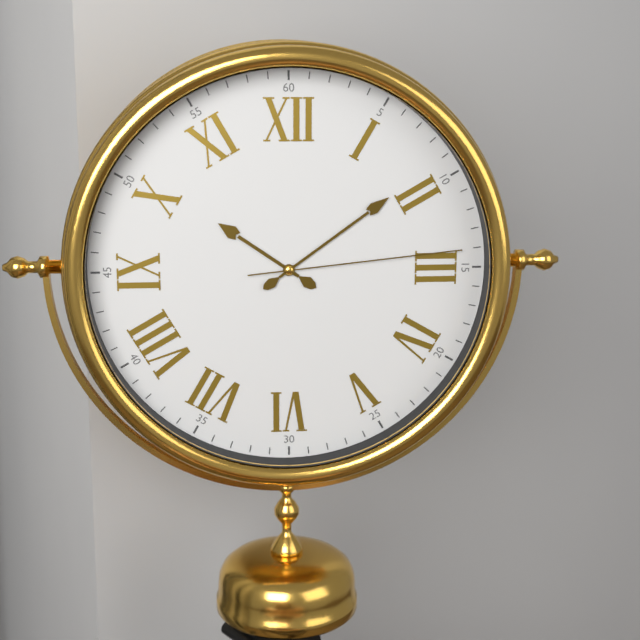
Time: {"hour": 10, "minute": 9, "second": 14}
